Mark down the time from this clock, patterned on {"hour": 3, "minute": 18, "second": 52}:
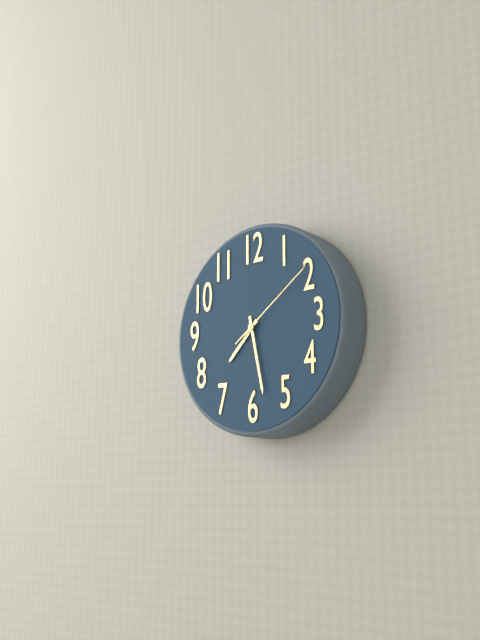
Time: {"hour": 7, "minute": 28, "second": 9}
